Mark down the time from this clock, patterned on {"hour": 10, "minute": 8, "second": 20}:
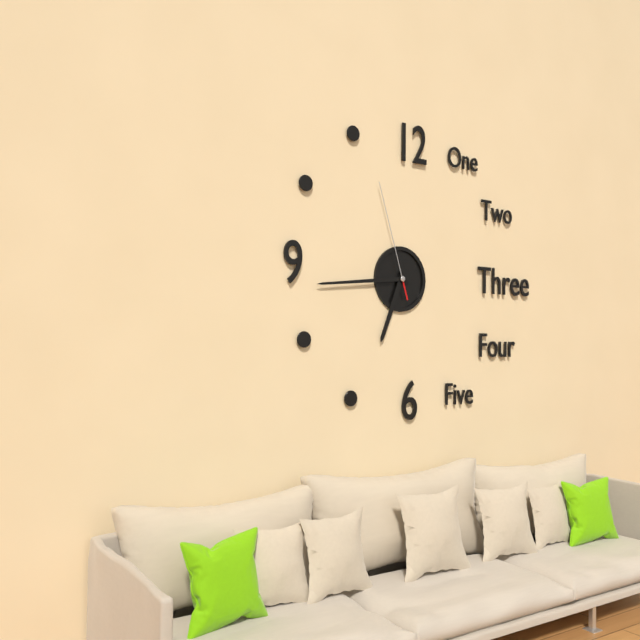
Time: {"hour": 6, "minute": 44, "second": 57}
